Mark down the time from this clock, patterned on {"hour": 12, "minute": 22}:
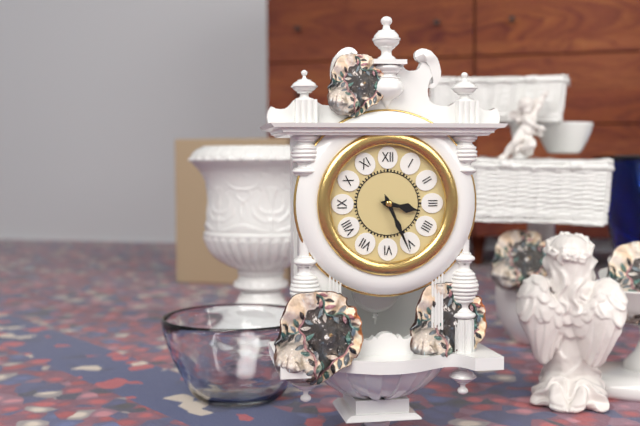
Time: {"hour": 3, "minute": 26}
